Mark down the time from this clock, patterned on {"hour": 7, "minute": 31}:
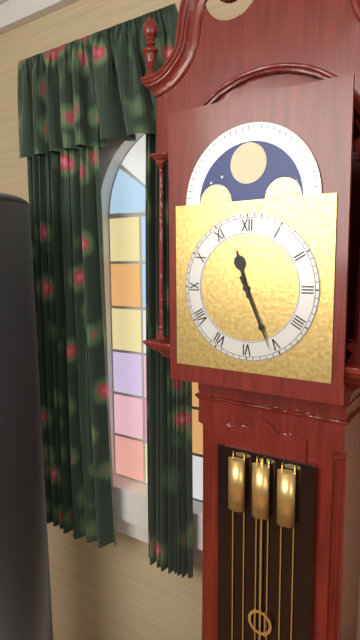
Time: {"hour": 11, "minute": 26}
